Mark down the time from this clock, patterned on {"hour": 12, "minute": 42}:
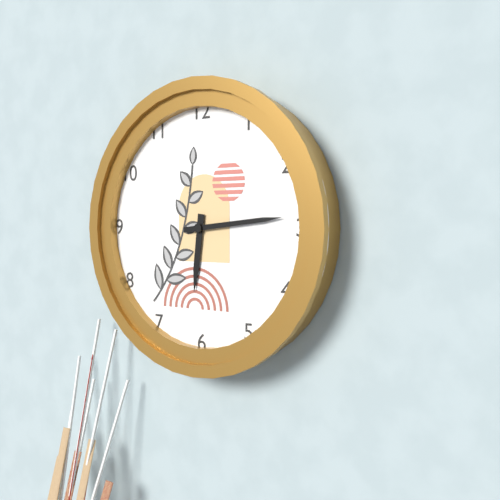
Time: {"hour": 6, "minute": 14}
